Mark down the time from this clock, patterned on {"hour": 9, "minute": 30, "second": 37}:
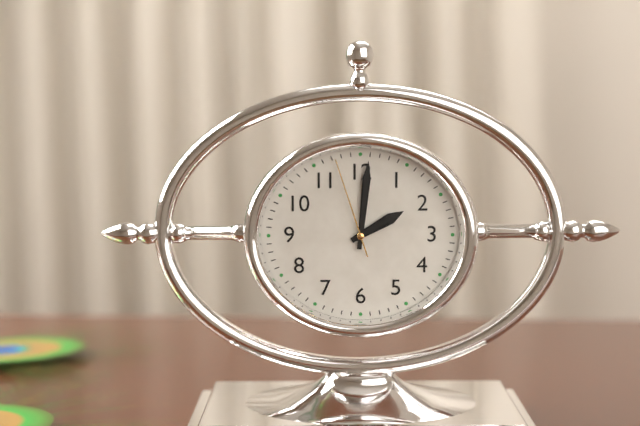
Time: {"hour": 2, "minute": 1, "second": 57}
